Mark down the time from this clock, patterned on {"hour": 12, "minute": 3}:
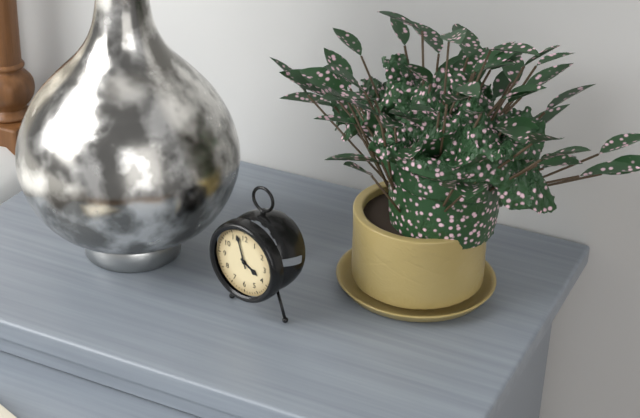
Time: {"hour": 3, "minute": 57}
